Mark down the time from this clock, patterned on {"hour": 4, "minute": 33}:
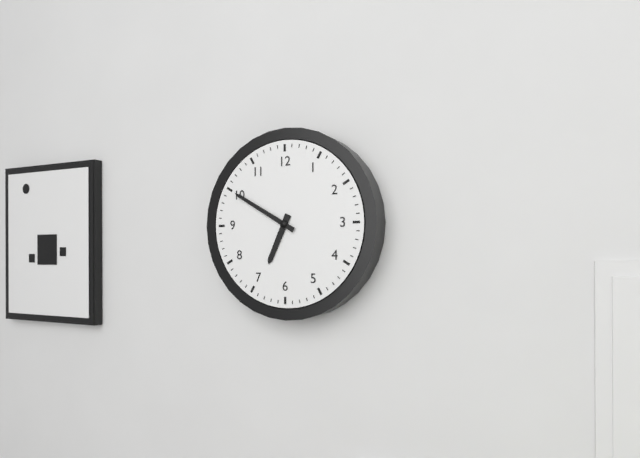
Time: {"hour": 6, "minute": 50}
